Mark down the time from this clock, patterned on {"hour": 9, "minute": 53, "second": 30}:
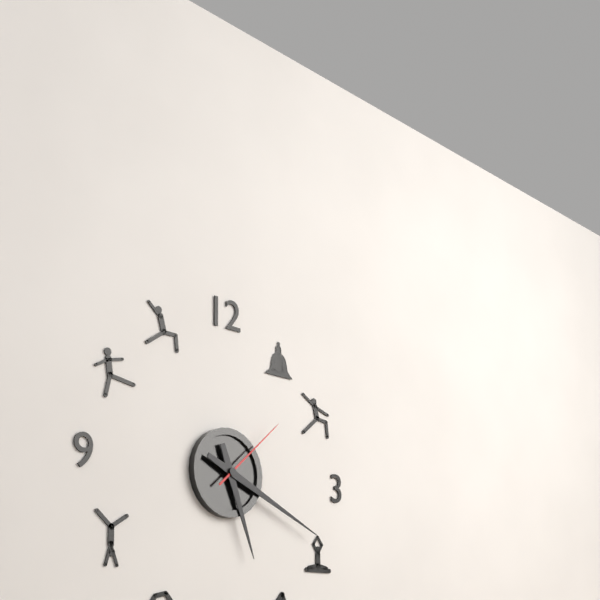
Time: {"hour": 5, "minute": 19, "second": 8}
